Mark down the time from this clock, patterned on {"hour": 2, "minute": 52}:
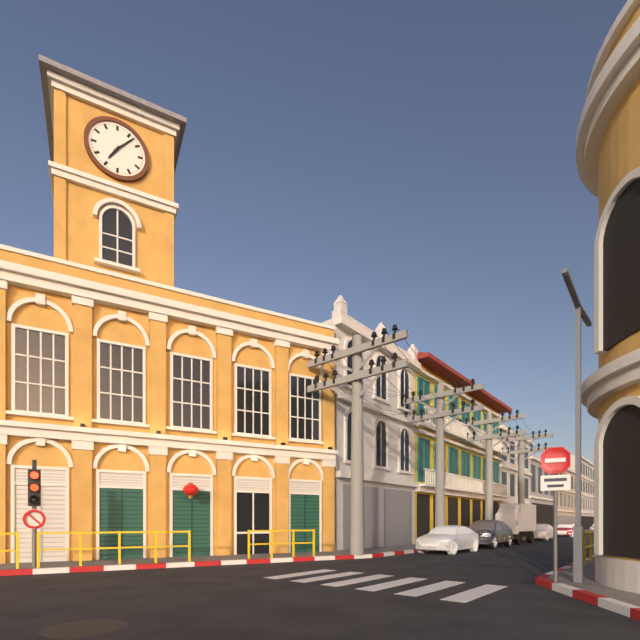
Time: {"hour": 7, "minute": 7}
